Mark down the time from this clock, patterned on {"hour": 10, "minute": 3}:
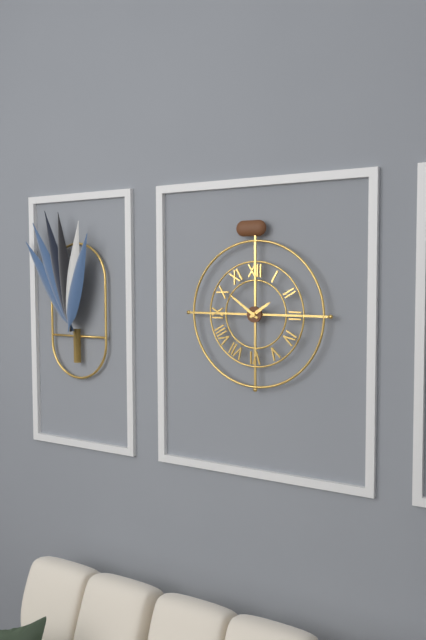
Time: {"hour": 1, "minute": 51}
